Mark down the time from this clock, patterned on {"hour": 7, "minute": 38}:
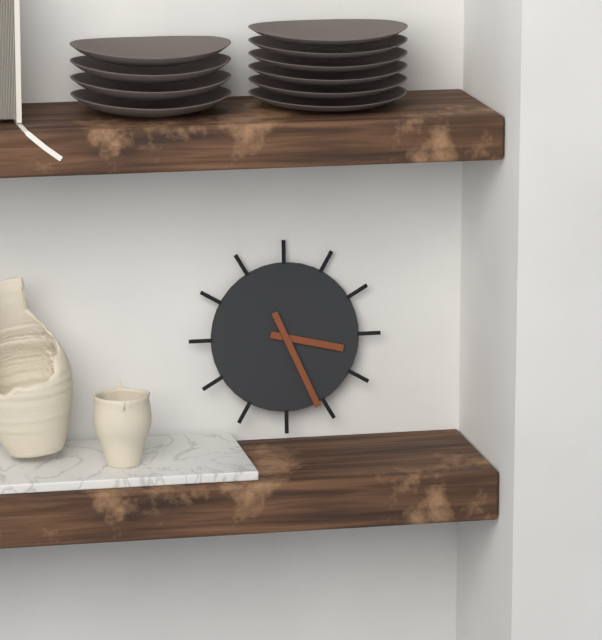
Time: {"hour": 3, "minute": 26}
